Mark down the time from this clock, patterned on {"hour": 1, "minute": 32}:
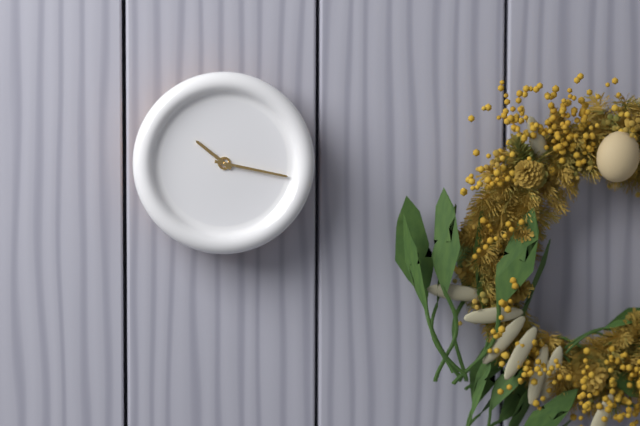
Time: {"hour": 10, "minute": 17}
